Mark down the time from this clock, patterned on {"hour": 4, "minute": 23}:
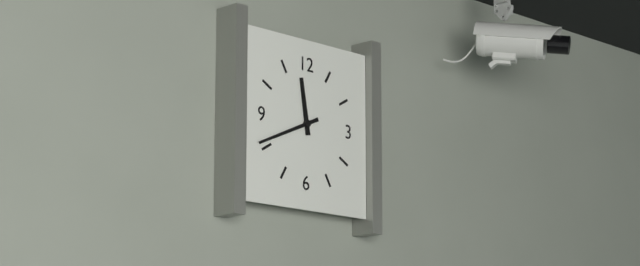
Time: {"hour": 11, "minute": 41}
